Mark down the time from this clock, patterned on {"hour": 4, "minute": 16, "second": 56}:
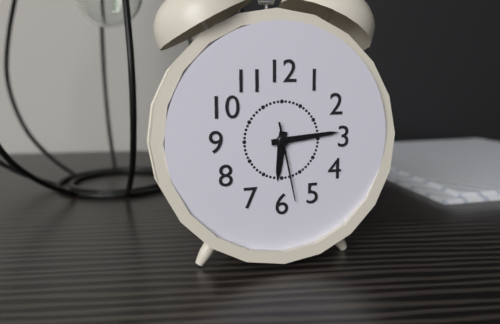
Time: {"hour": 6, "minute": 14, "second": 28}
